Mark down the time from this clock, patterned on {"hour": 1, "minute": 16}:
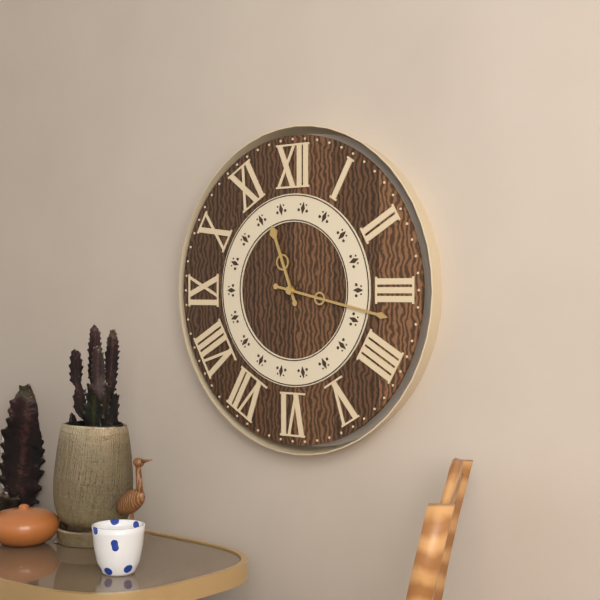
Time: {"hour": 11, "minute": 17}
